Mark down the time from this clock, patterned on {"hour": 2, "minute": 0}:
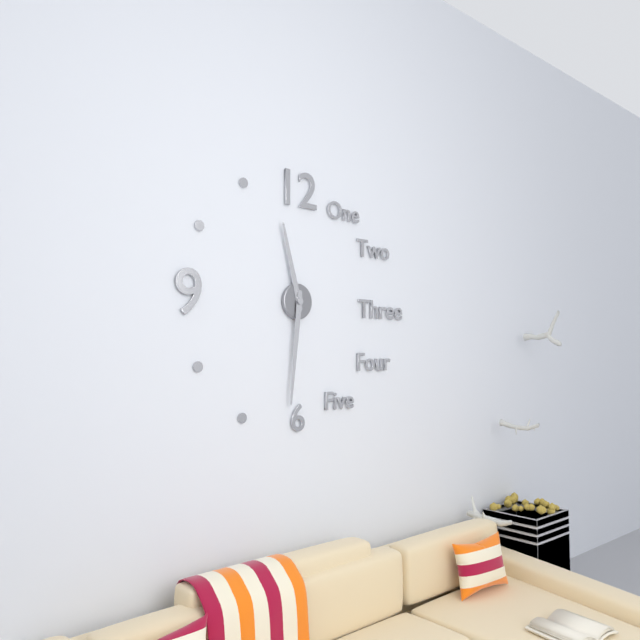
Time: {"hour": 11, "minute": 31}
